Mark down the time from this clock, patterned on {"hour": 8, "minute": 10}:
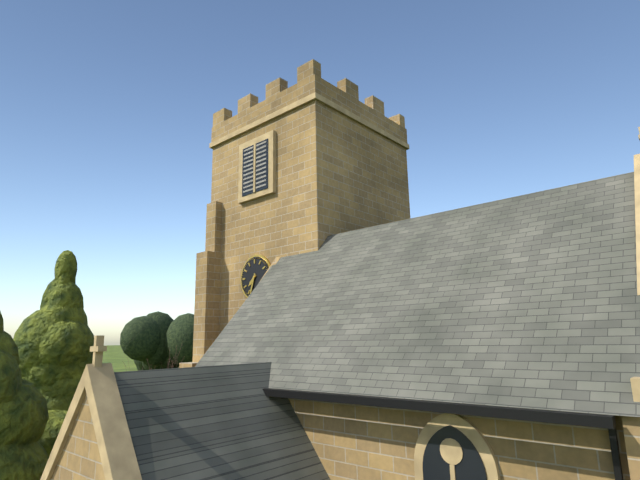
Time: {"hour": 7, "minute": 33}
